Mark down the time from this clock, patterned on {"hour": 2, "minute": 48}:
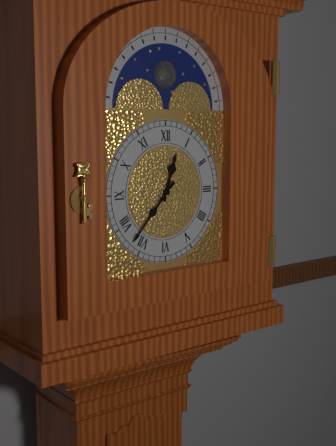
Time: {"hour": 12, "minute": 37}
